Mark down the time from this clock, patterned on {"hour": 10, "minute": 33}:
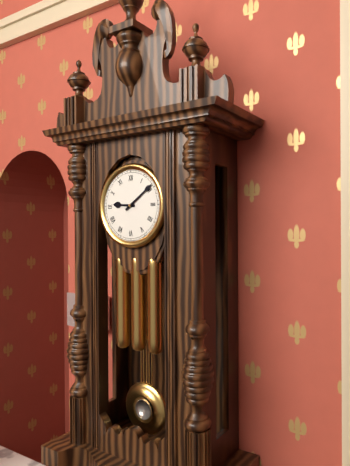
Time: {"hour": 9, "minute": 9}
